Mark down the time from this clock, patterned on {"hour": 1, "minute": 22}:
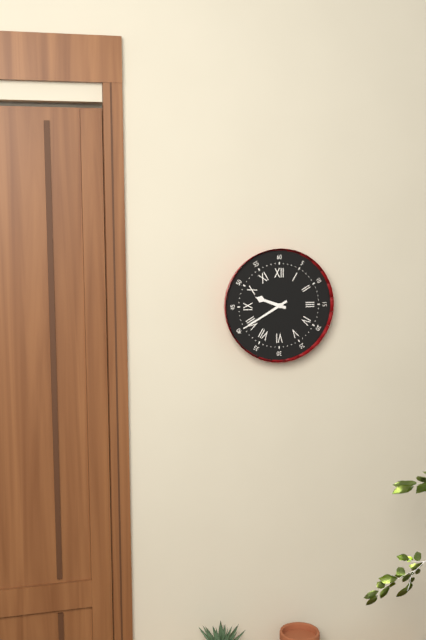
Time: {"hour": 9, "minute": 40}
